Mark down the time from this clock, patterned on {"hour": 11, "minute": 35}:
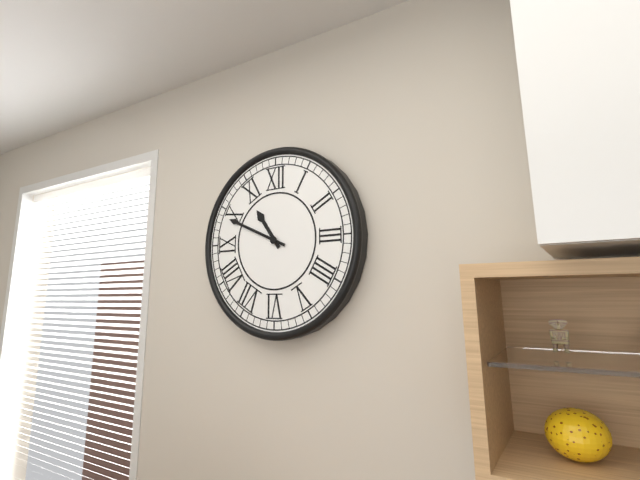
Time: {"hour": 10, "minute": 49}
